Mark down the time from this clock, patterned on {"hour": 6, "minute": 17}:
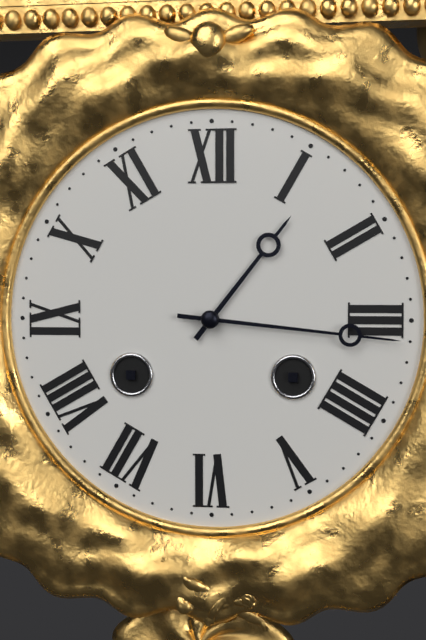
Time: {"hour": 1, "minute": 16}
